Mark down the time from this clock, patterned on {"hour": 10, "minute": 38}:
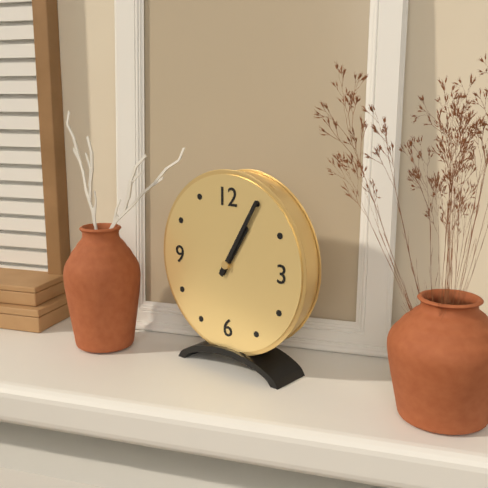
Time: {"hour": 1, "minute": 5}
